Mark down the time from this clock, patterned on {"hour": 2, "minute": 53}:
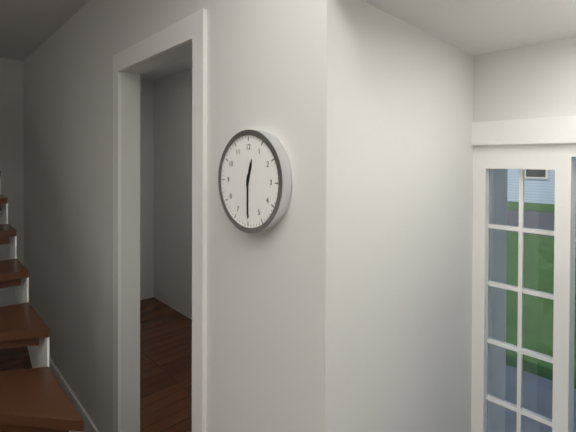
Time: {"hour": 12, "minute": 30}
